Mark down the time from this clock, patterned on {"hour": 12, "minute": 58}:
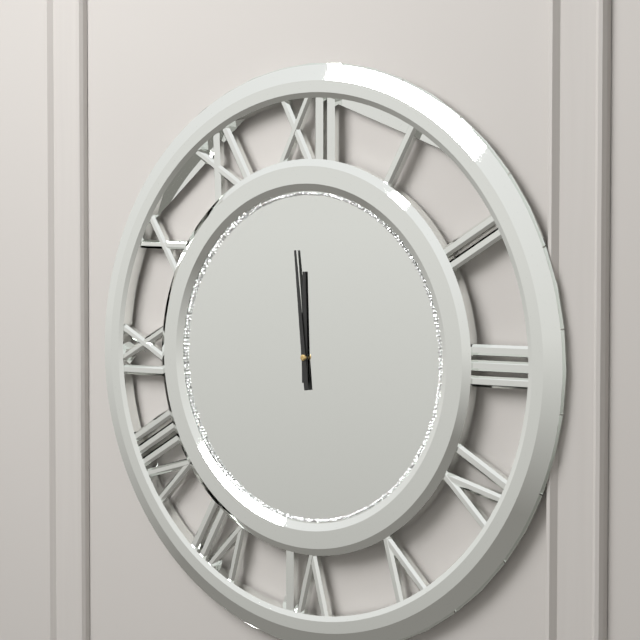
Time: {"hour": 11, "minute": 59}
